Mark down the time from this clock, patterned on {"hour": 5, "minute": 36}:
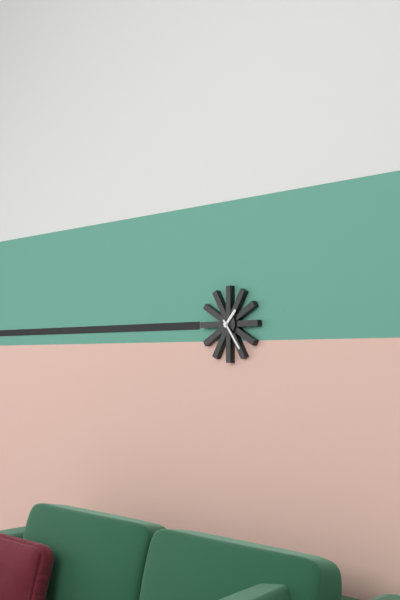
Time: {"hour": 1, "minute": 24}
